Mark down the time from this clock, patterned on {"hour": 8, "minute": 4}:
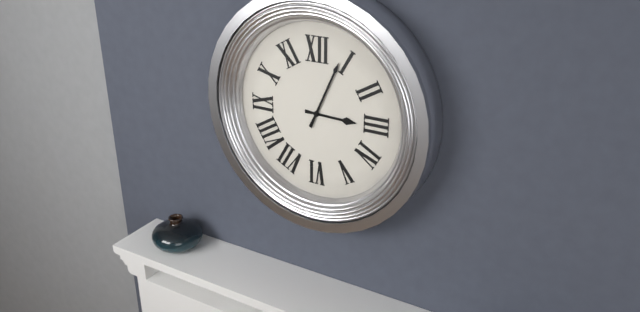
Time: {"hour": 3, "minute": 4}
